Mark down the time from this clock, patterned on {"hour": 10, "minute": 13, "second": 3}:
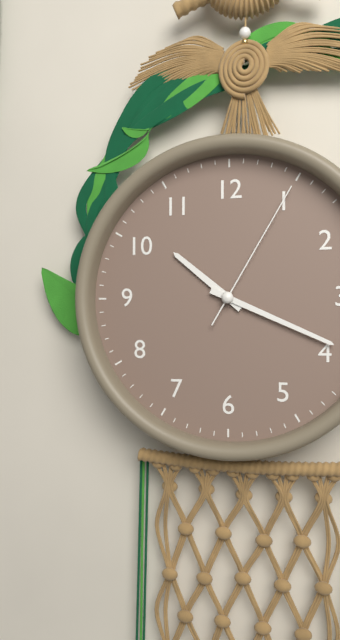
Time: {"hour": 10, "minute": 19, "second": 5}
